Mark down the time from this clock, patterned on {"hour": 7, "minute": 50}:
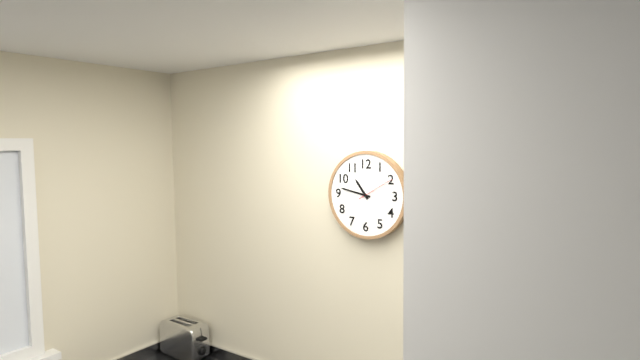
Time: {"hour": 10, "minute": 47}
